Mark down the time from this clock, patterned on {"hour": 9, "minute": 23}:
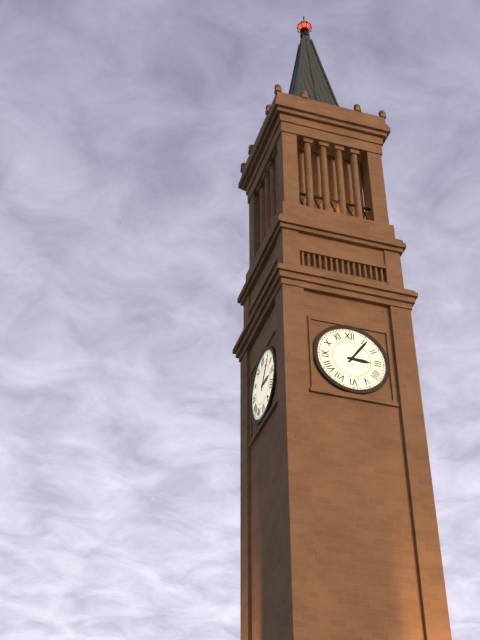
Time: {"hour": 3, "minute": 6}
